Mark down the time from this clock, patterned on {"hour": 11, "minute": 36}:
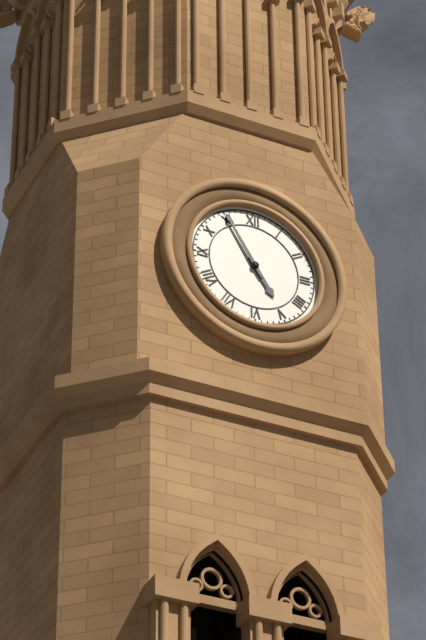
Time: {"hour": 4, "minute": 55}
